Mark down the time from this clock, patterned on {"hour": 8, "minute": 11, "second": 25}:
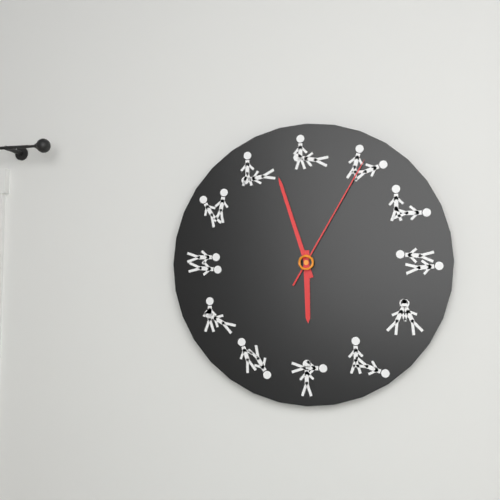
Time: {"hour": 5, "minute": 57, "second": 5}
